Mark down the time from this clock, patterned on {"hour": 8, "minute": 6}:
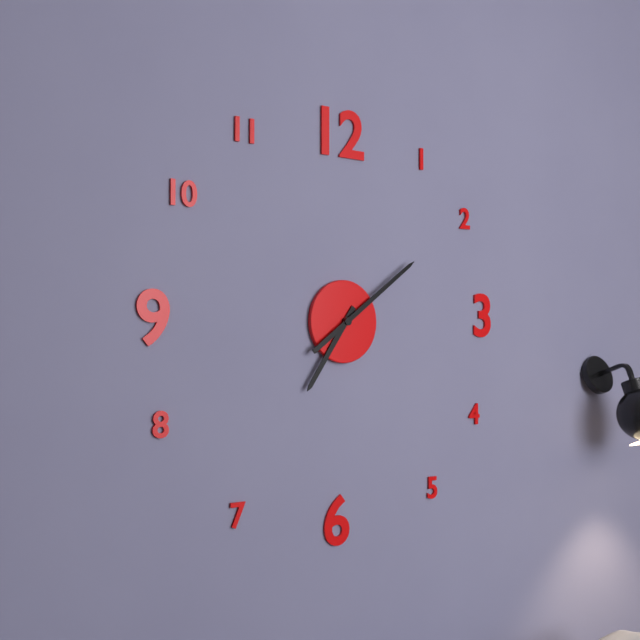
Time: {"hour": 7, "minute": 9}
